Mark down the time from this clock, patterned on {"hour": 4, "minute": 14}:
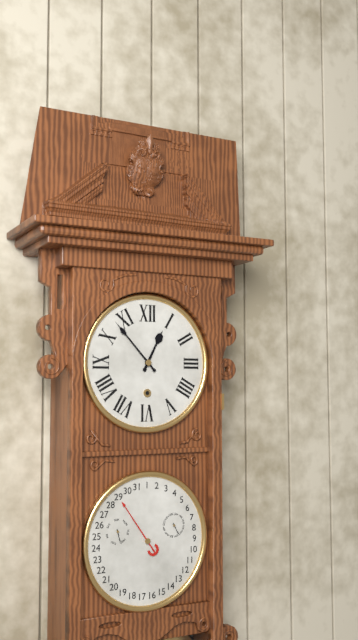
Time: {"hour": 12, "minute": 53}
